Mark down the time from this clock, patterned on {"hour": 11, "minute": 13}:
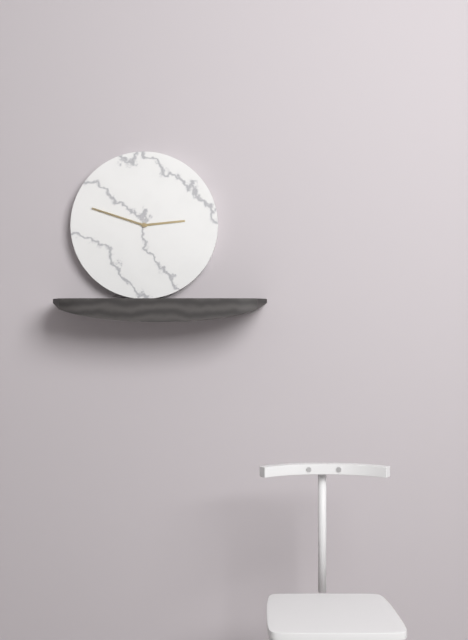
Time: {"hour": 2, "minute": 48}
